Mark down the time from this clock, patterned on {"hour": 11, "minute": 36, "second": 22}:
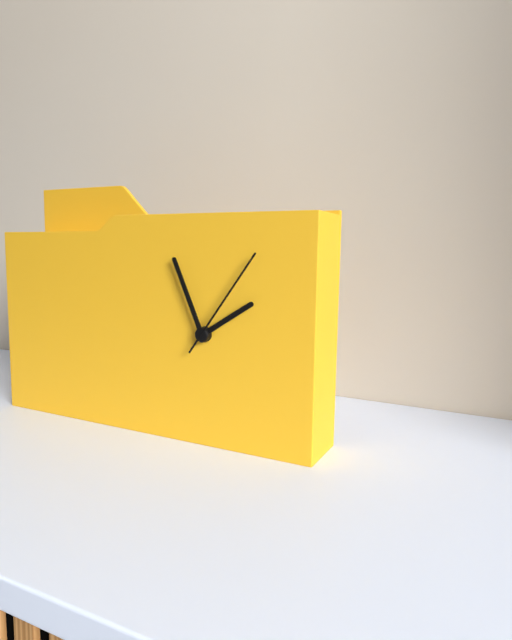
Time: {"hour": 1, "minute": 56, "second": 6}
